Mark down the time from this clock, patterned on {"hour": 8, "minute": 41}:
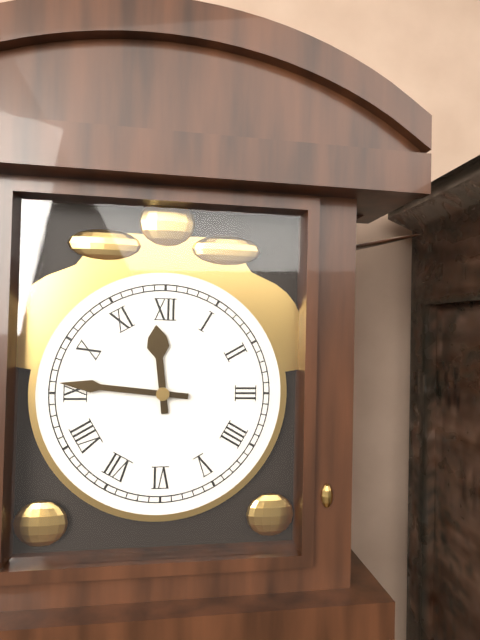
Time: {"hour": 11, "minute": 46}
